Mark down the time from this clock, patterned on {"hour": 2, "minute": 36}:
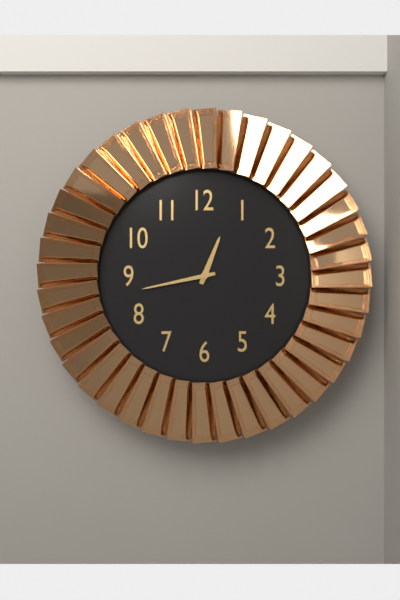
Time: {"hour": 12, "minute": 43}
